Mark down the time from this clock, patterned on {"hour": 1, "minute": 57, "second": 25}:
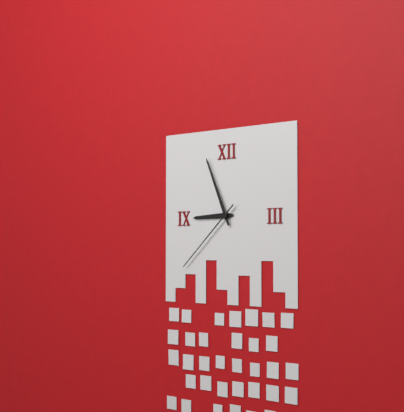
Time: {"hour": 8, "minute": 56, "second": 38}
